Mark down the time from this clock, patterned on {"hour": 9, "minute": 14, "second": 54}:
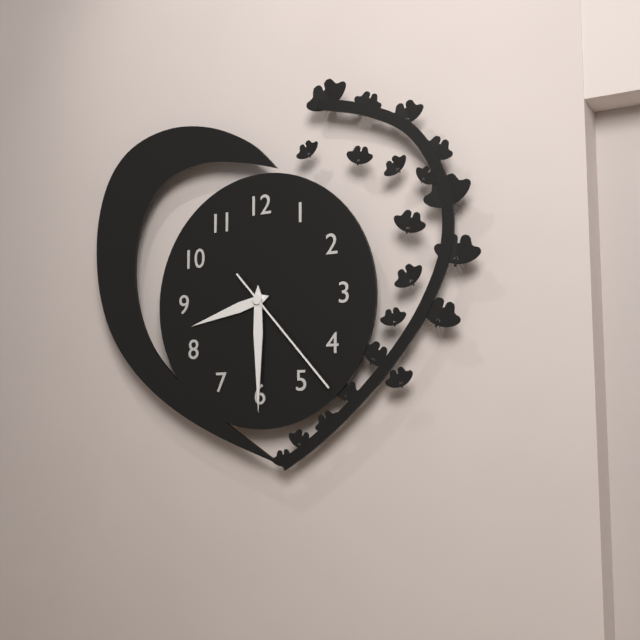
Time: {"hour": 8, "minute": 30, "second": 23}
